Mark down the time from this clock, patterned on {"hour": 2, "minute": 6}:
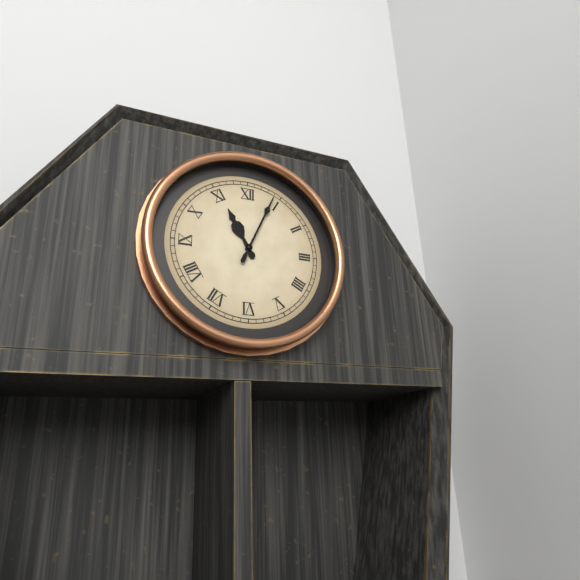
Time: {"hour": 11, "minute": 4}
